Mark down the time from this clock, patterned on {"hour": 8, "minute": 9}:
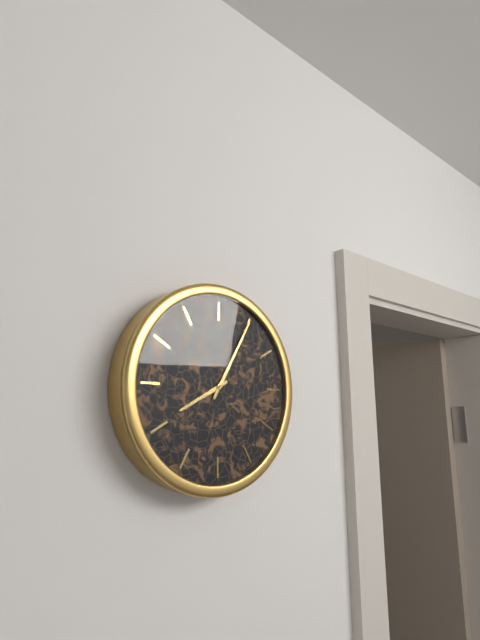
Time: {"hour": 8, "minute": 5}
